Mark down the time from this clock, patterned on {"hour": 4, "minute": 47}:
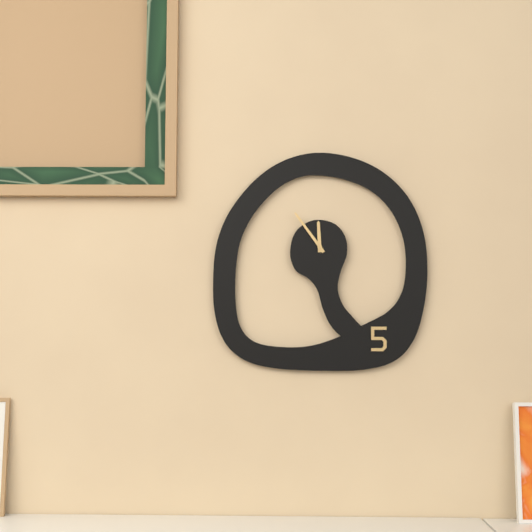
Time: {"hour": 11, "minute": 54}
